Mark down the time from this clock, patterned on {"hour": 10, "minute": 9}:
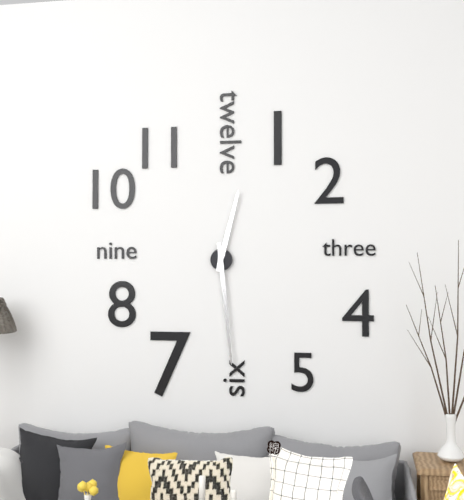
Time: {"hour": 12, "minute": 29}
